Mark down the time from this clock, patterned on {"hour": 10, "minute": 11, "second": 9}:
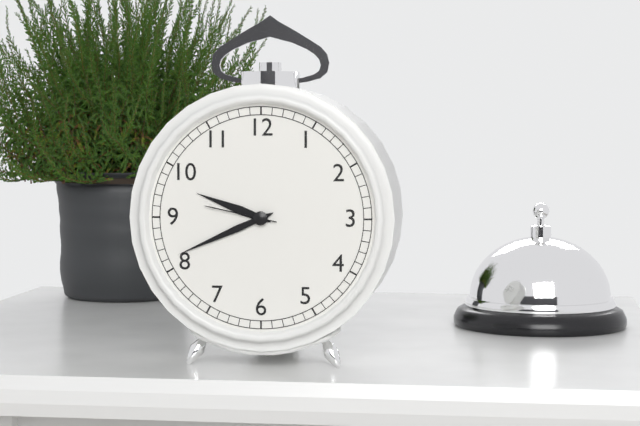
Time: {"hour": 9, "minute": 41, "second": 47}
